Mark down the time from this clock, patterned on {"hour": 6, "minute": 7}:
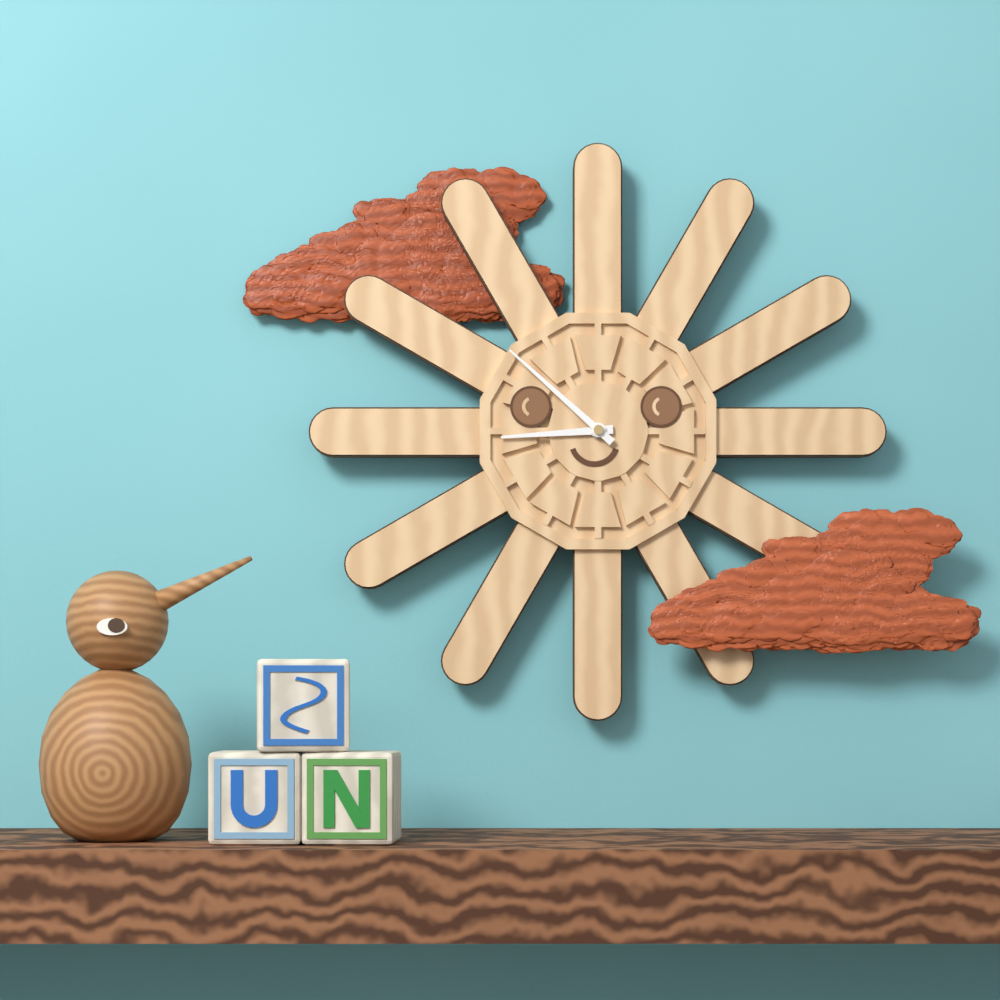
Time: {"hour": 8, "minute": 52}
